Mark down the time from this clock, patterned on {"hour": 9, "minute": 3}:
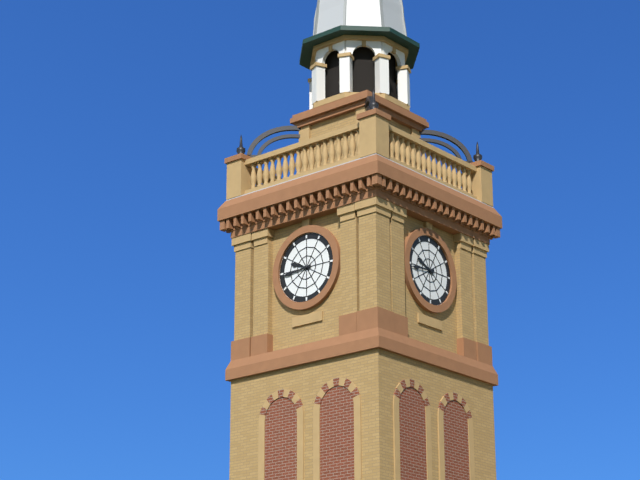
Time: {"hour": 9, "minute": 44}
